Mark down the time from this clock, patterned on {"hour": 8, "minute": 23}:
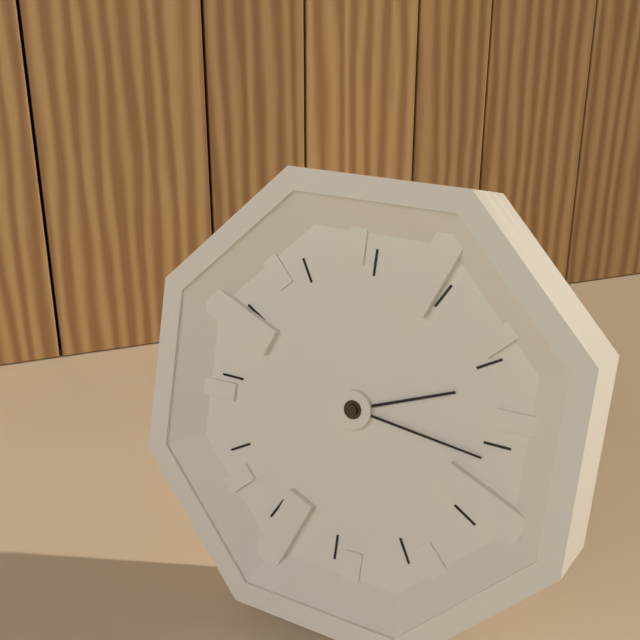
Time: {"hour": 2, "minute": 16}
